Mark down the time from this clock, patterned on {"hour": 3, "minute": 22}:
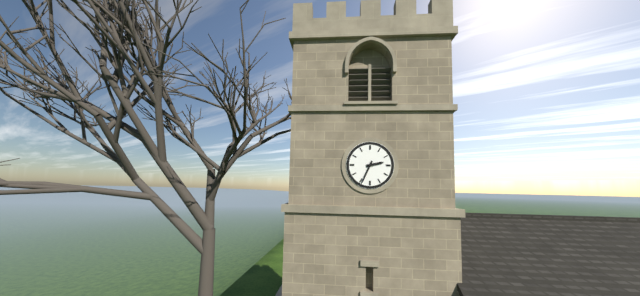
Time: {"hour": 2, "minute": 34}
